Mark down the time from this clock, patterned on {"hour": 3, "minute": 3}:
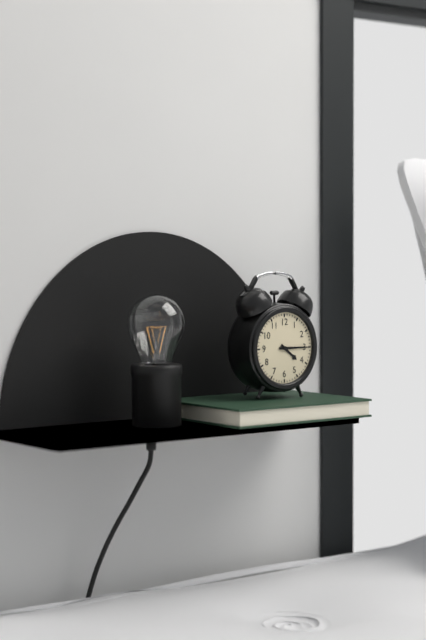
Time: {"hour": 4, "minute": 15}
